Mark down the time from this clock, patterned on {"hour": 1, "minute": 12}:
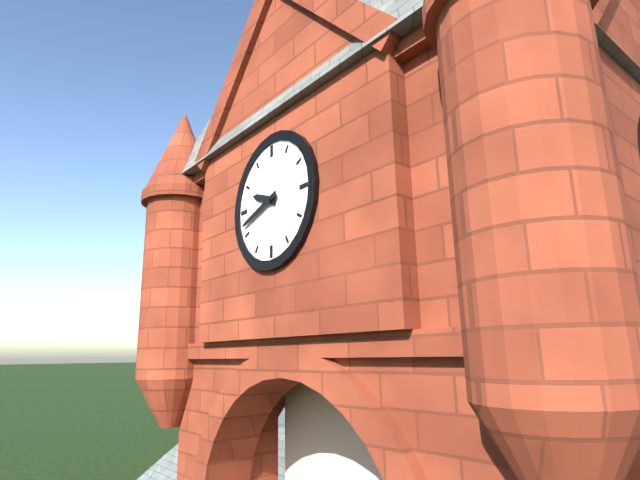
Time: {"hour": 9, "minute": 42}
